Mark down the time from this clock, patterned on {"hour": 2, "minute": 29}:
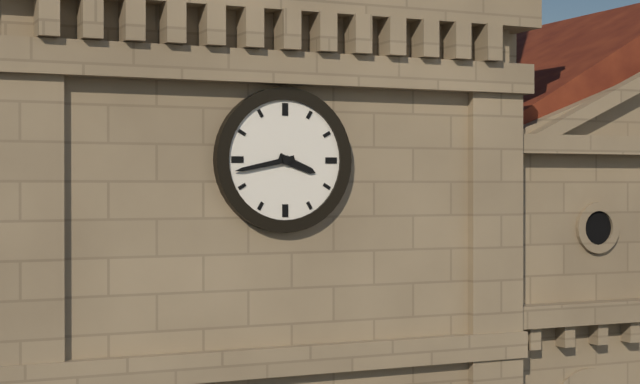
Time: {"hour": 3, "minute": 43}
